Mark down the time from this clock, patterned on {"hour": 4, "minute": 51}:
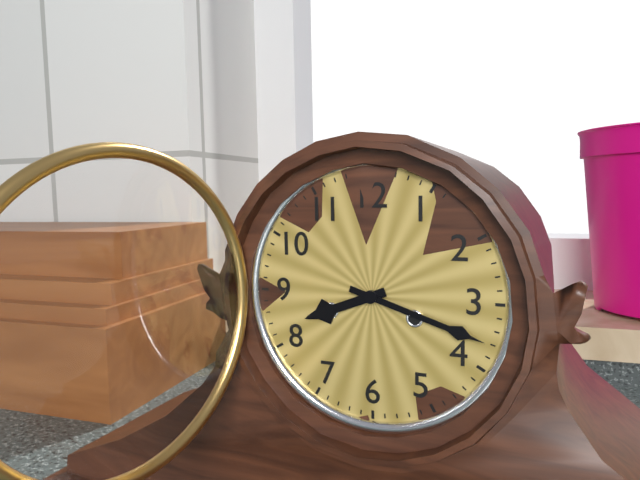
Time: {"hour": 8, "minute": 18}
